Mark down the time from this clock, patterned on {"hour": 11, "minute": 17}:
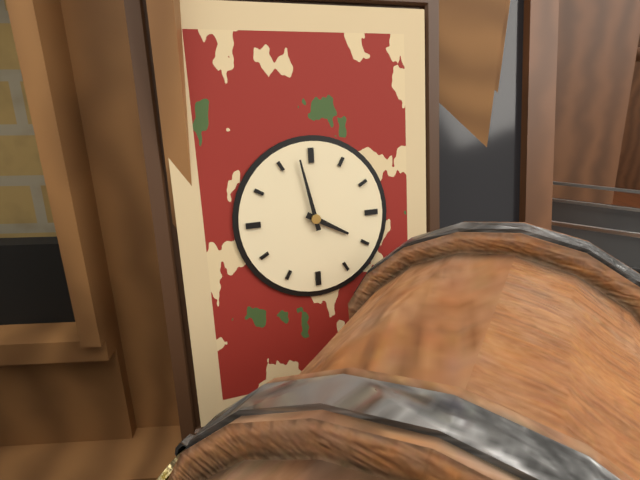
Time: {"hour": 3, "minute": 58}
